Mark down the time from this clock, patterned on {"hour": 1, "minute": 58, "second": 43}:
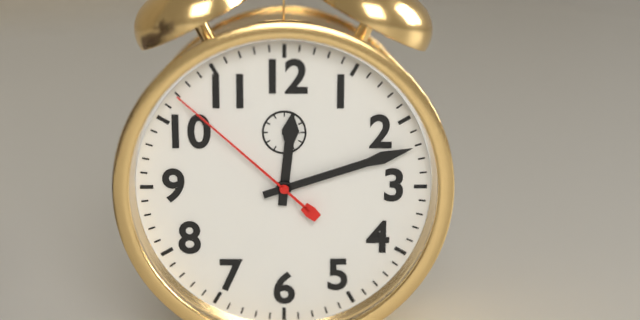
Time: {"hour": 12, "minute": 12, "second": 52}
